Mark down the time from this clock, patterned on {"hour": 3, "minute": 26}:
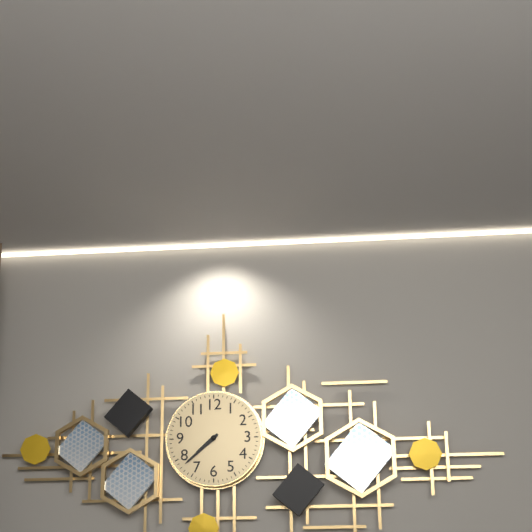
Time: {"hour": 7, "minute": 38}
